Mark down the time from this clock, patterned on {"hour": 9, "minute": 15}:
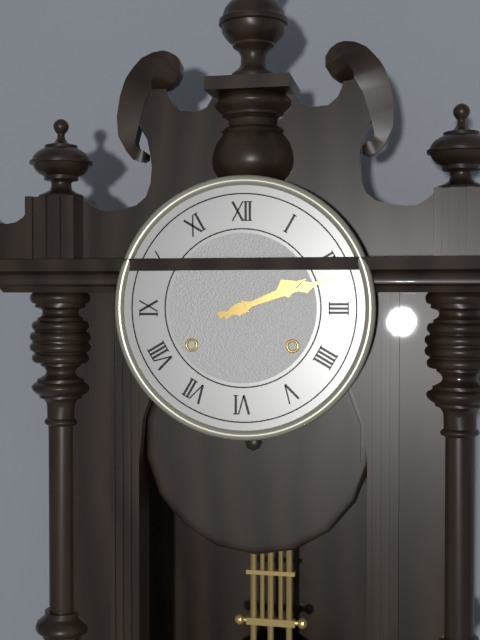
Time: {"hour": 2, "minute": 12}
